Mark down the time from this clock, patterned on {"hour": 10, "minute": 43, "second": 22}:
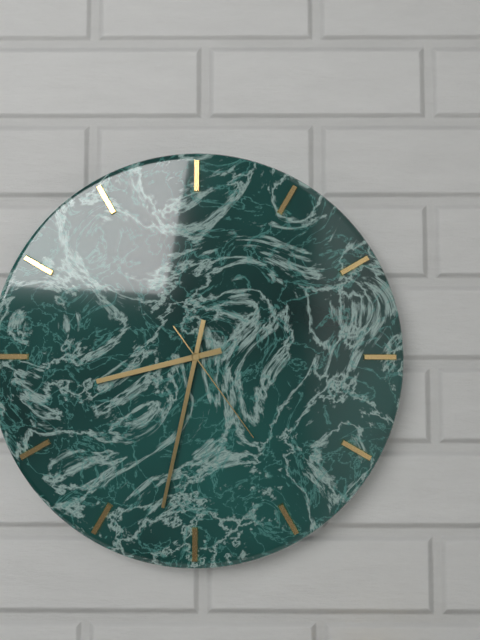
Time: {"hour": 8, "minute": 32, "second": 24}
